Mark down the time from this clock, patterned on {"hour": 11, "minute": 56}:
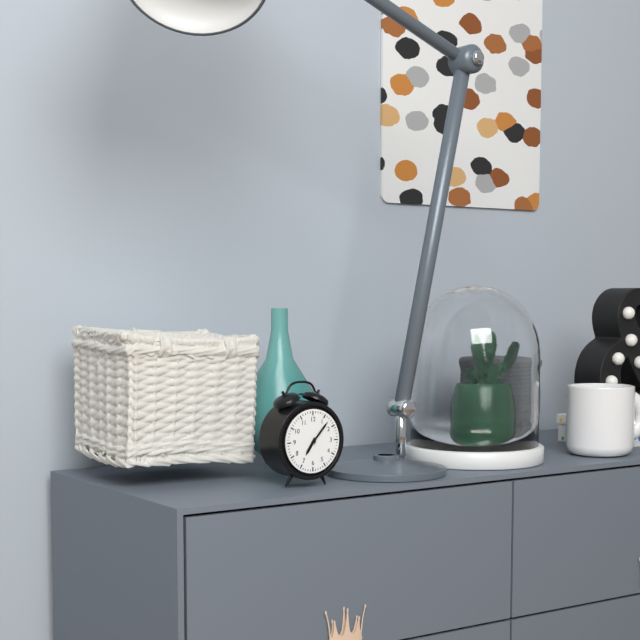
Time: {"hour": 7, "minute": 7}
